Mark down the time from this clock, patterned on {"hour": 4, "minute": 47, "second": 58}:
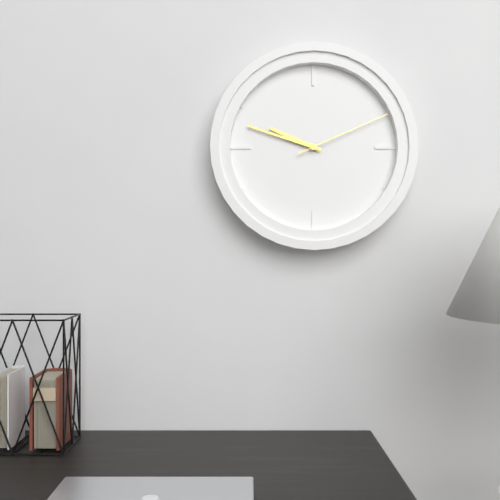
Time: {"hour": 9, "minute": 48, "second": 11}
